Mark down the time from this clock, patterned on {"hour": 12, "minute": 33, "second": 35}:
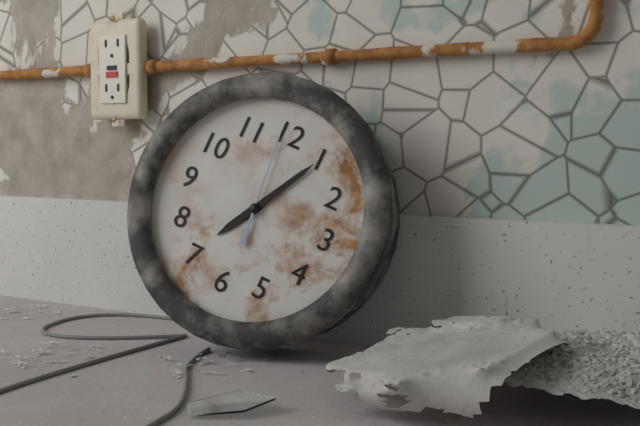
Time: {"hour": 7, "minute": 5, "second": 59}
